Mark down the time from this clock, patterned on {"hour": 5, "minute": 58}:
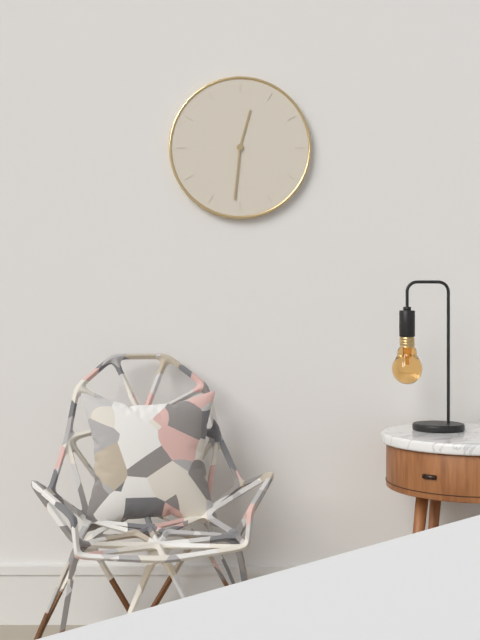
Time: {"hour": 12, "minute": 31}
